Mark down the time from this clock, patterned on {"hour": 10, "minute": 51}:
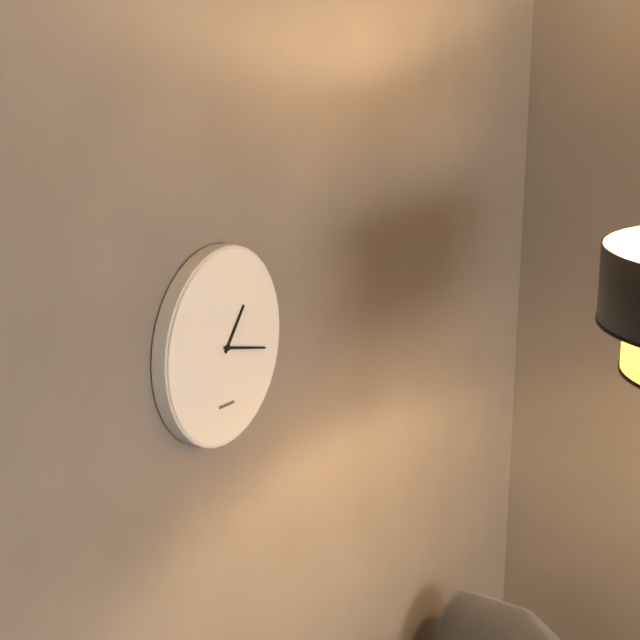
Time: {"hour": 1, "minute": 17}
